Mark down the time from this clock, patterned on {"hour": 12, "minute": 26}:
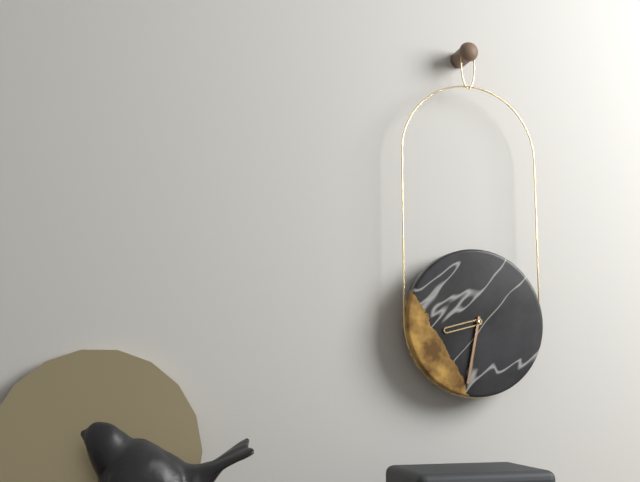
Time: {"hour": 8, "minute": 32}
